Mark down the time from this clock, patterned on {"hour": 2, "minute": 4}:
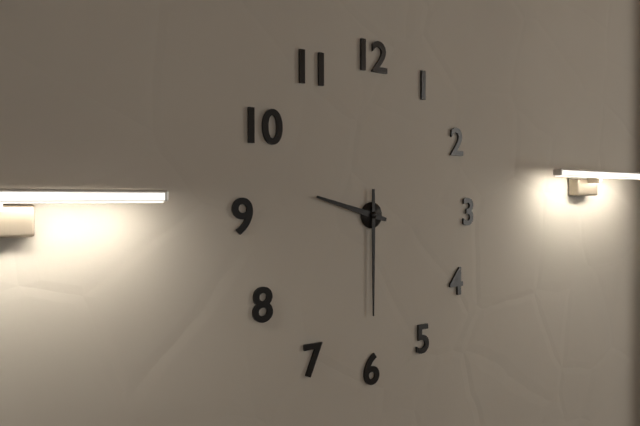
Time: {"hour": 9, "minute": 30}
